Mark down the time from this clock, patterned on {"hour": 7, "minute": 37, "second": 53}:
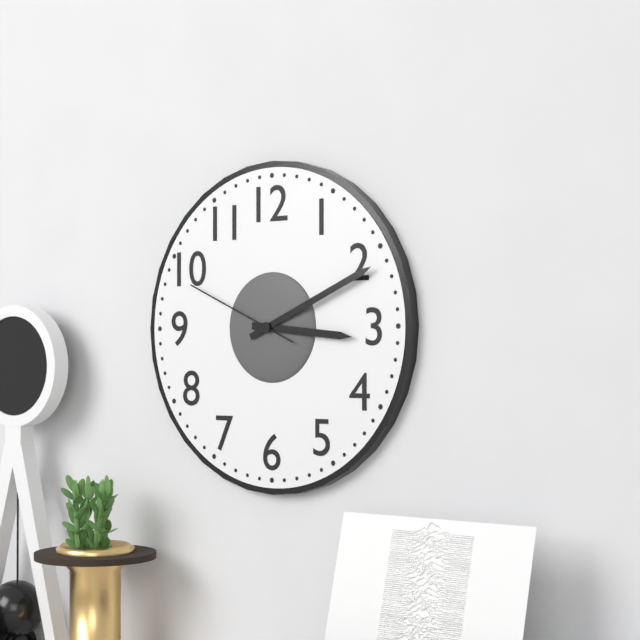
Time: {"hour": 3, "minute": 11, "second": 49}
